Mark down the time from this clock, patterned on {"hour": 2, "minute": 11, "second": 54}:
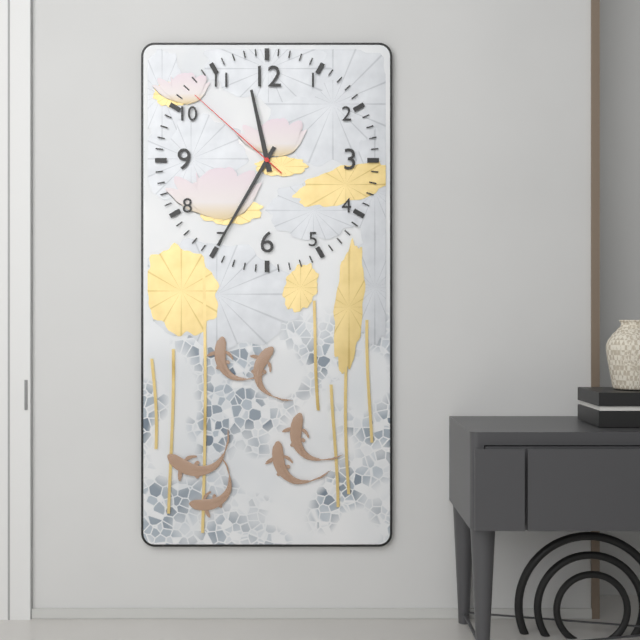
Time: {"hour": 11, "minute": 35, "second": 52}
